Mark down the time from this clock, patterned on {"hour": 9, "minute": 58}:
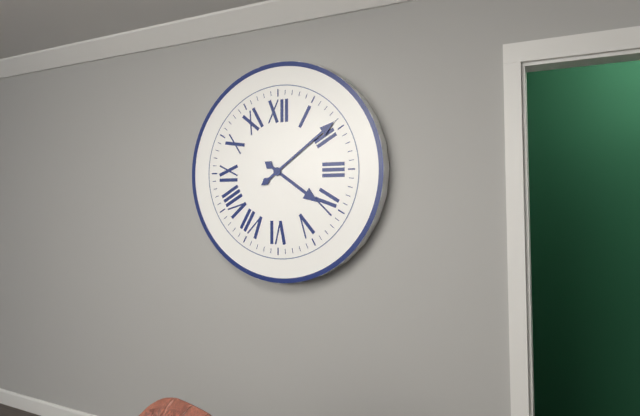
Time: {"hour": 4, "minute": 9}
